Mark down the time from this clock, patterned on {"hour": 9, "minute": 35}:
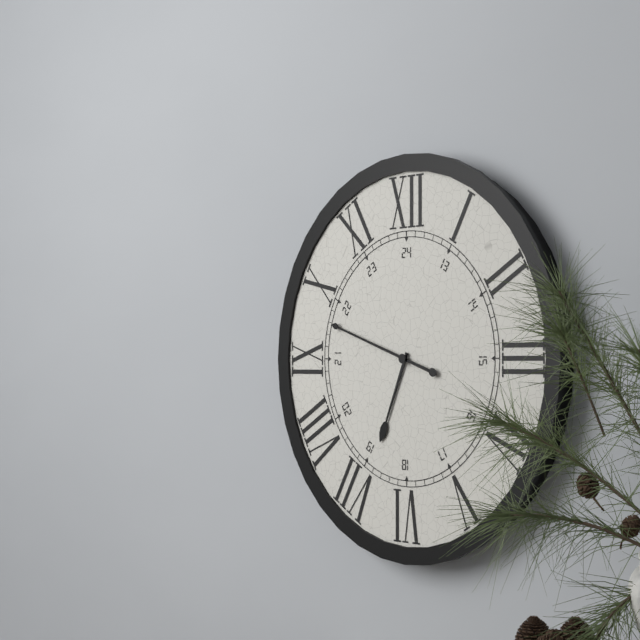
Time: {"hour": 6, "minute": 48}
